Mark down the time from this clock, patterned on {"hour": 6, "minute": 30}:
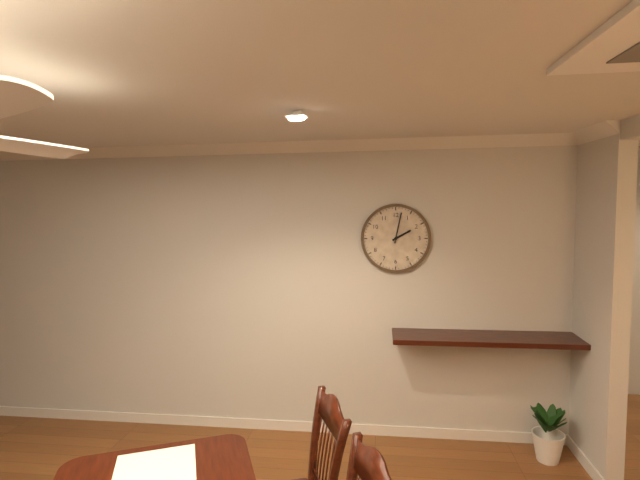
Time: {"hour": 2, "minute": 2}
